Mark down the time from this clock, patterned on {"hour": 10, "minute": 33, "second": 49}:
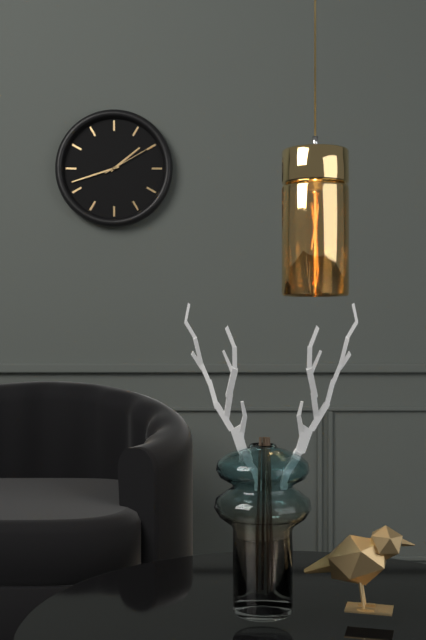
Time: {"hour": 1, "minute": 42, "second": 10}
